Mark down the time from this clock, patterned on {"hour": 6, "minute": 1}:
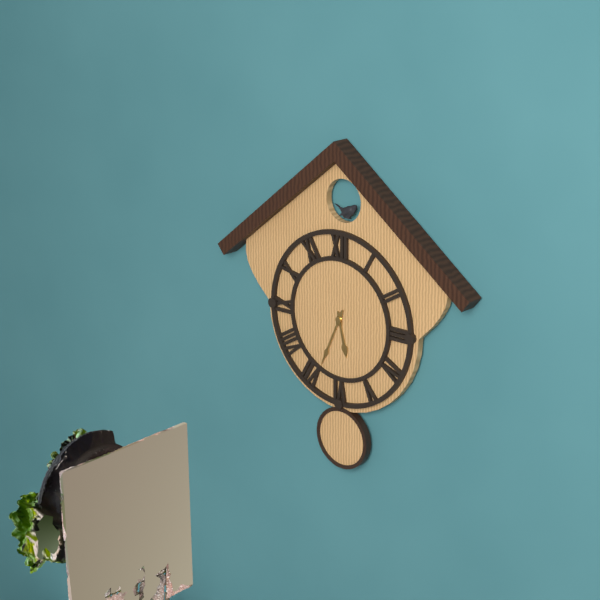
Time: {"hour": 5, "minute": 34}
